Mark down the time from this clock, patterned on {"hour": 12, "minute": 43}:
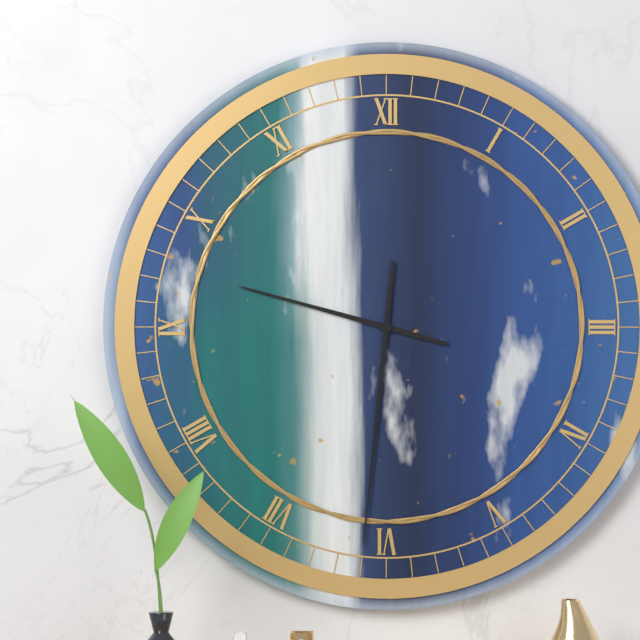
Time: {"hour": 9, "minute": 31}
